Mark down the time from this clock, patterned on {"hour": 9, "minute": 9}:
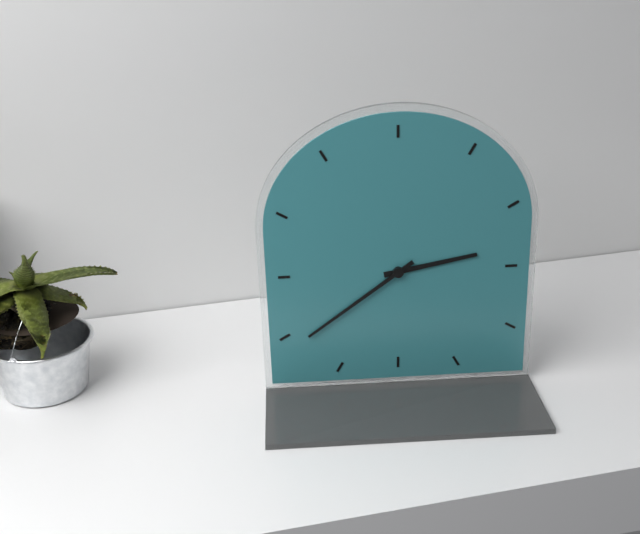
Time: {"hour": 2, "minute": 39}
